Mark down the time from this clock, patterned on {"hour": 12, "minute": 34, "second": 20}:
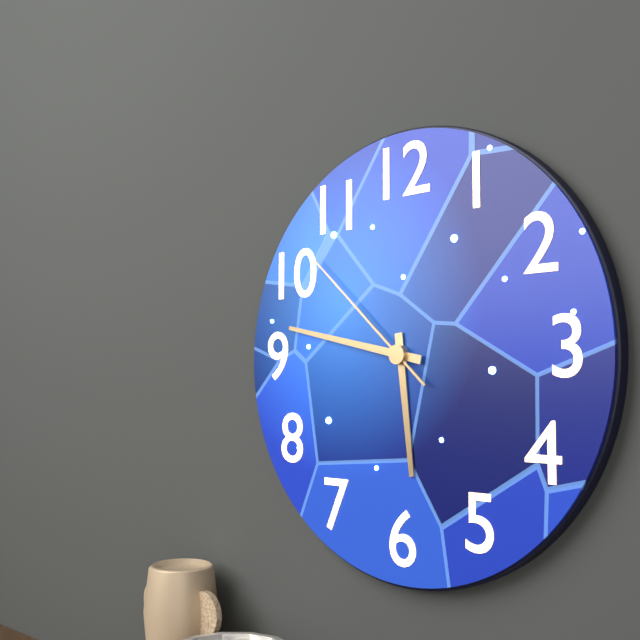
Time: {"hour": 5, "minute": 47, "second": 52}
